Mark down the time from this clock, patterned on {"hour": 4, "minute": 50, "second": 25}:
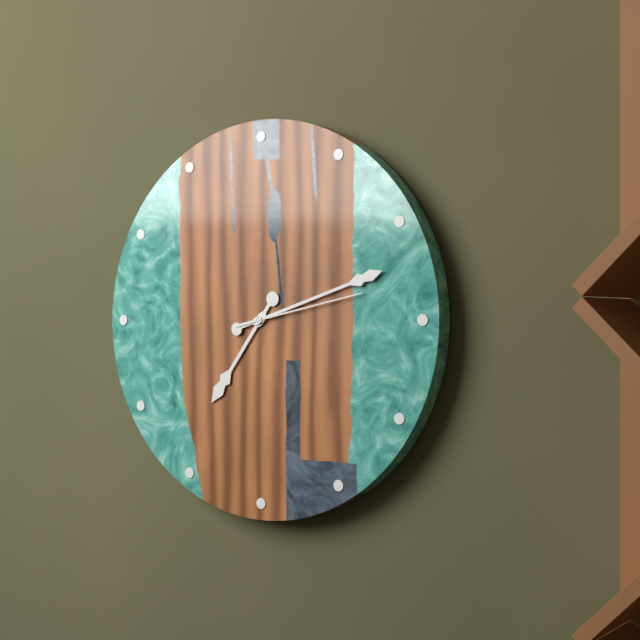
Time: {"hour": 7, "minute": 12, "second": 13}
